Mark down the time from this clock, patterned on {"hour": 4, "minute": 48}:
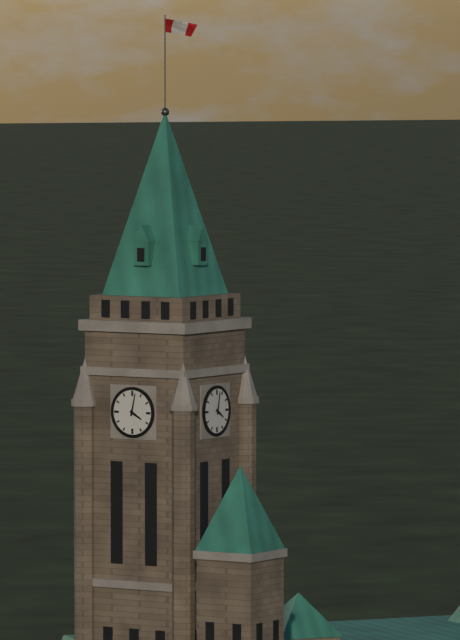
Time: {"hour": 4, "minute": 2}
